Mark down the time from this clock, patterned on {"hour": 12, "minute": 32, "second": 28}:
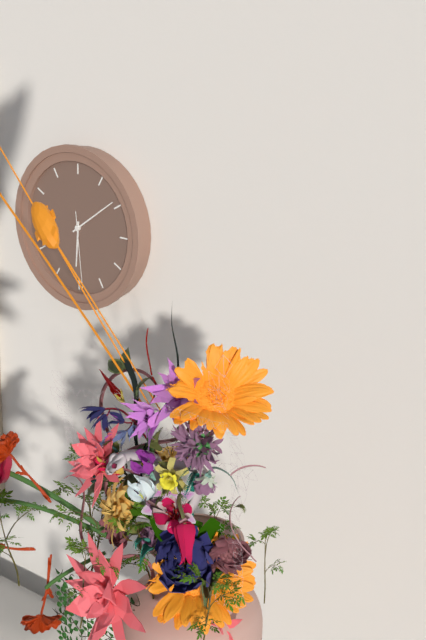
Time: {"hour": 6, "minute": 9, "second": 29}
